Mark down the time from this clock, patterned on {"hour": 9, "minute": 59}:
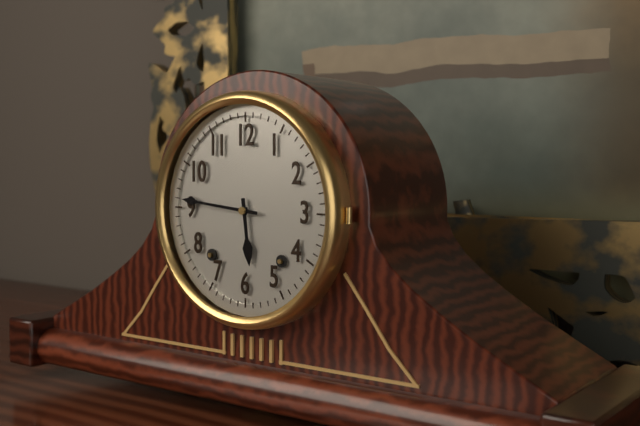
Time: {"hour": 5, "minute": 46}
